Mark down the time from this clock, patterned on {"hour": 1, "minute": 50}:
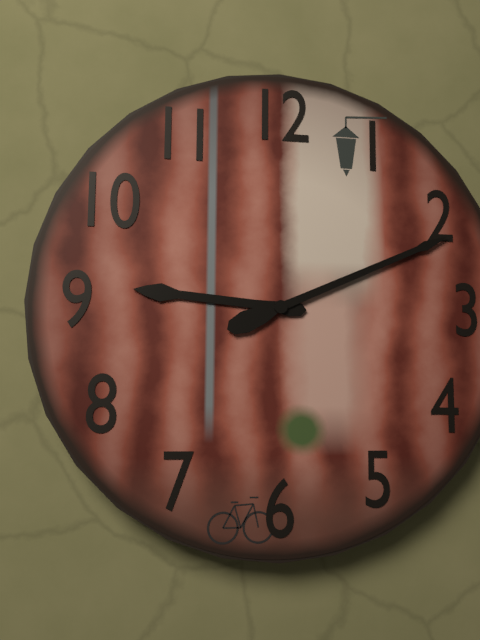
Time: {"hour": 9, "minute": 11}
